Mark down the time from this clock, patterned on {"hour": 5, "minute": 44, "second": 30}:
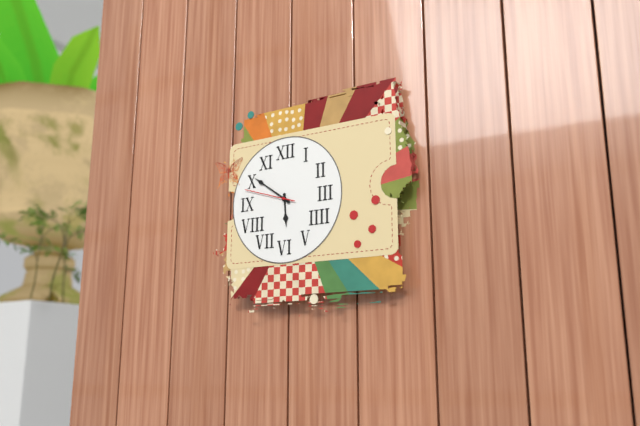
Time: {"hour": 5, "minute": 51, "second": 48}
